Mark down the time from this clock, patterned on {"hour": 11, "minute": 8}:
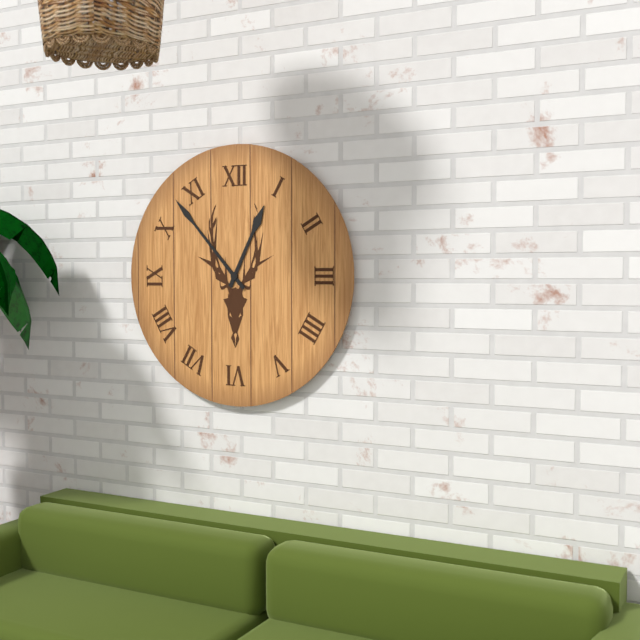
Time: {"hour": 12, "minute": 53}
